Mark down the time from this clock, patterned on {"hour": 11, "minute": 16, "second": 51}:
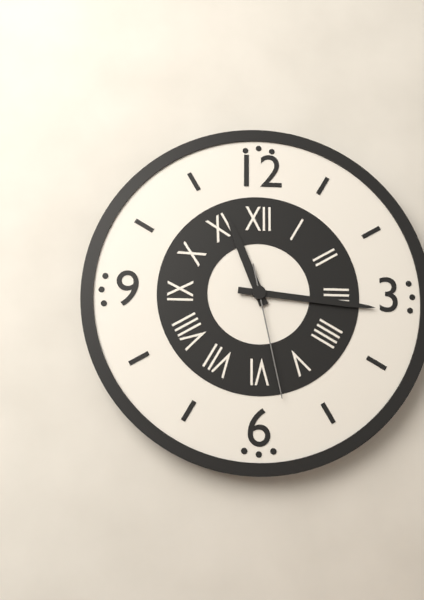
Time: {"hour": 11, "minute": 16, "second": 28}
